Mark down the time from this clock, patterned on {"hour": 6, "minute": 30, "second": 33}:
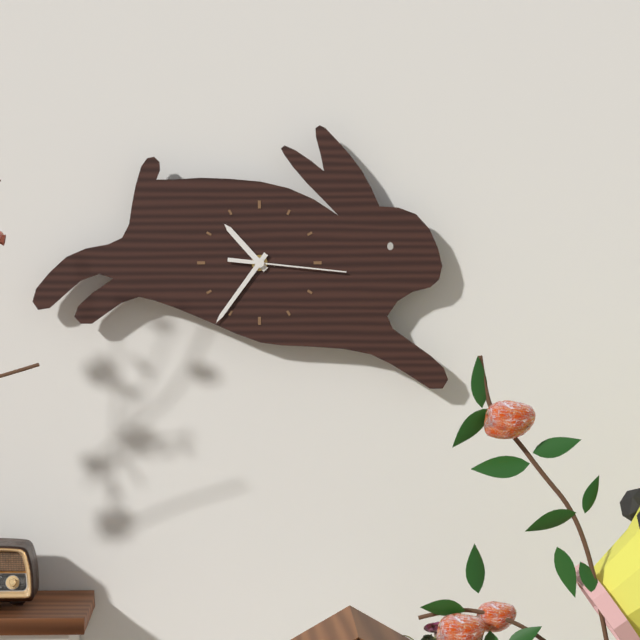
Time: {"hour": 10, "minute": 36, "second": 16}
